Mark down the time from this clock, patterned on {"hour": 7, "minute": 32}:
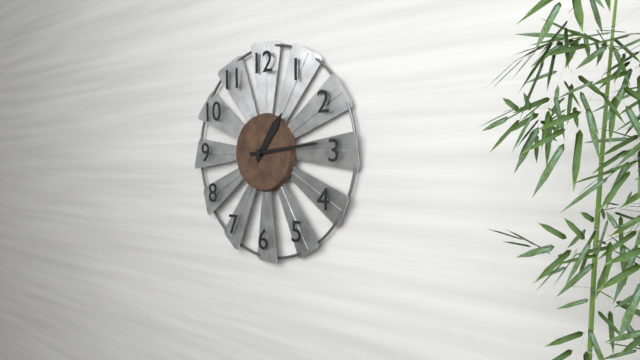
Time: {"hour": 1, "minute": 14}
